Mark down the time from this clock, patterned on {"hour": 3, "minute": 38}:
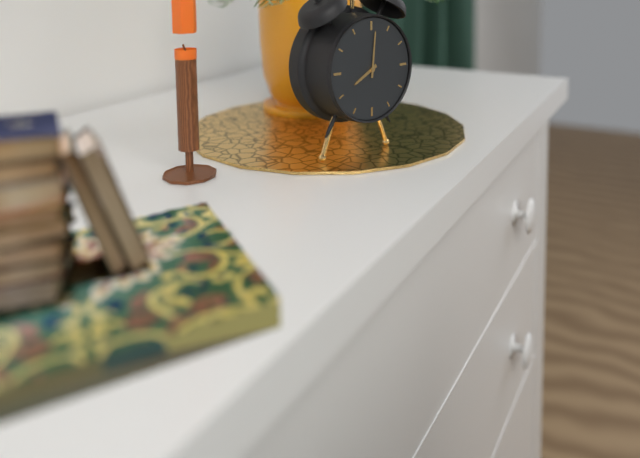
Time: {"hour": 8, "minute": 1}
